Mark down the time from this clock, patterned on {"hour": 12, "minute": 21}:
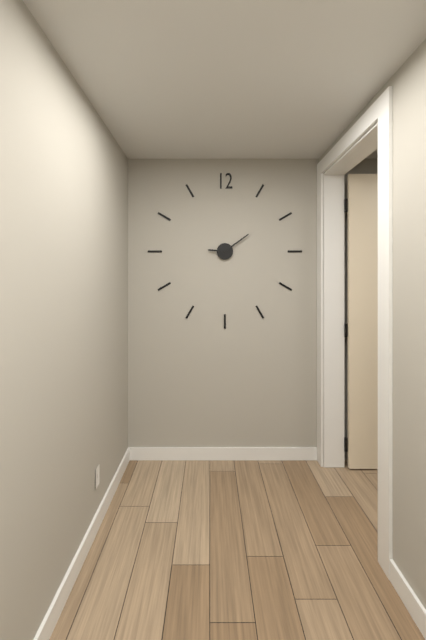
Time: {"hour": 9, "minute": 9}
